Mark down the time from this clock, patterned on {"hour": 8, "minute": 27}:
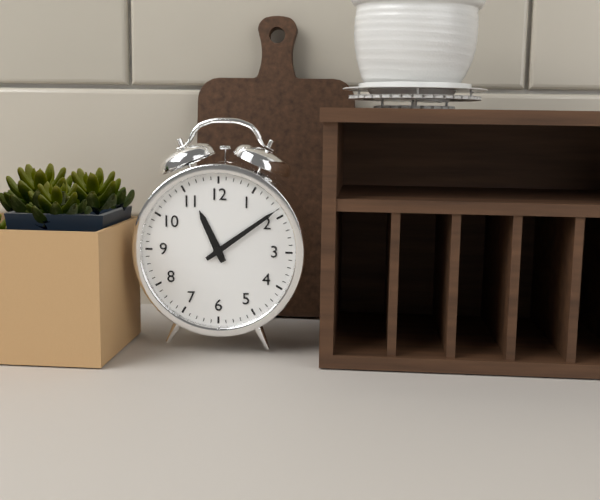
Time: {"hour": 11, "minute": 9}
